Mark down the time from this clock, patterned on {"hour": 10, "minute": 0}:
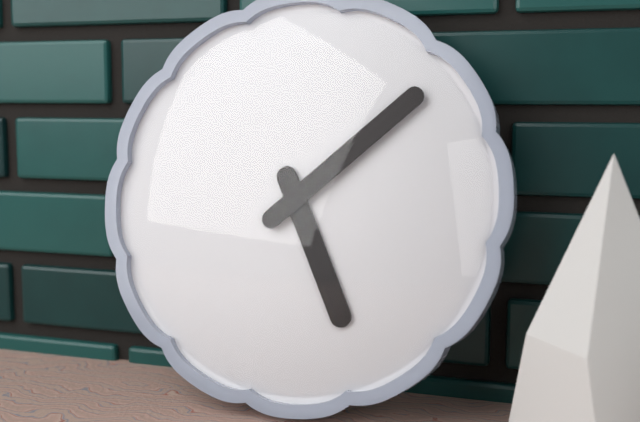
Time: {"hour": 5, "minute": 8}
